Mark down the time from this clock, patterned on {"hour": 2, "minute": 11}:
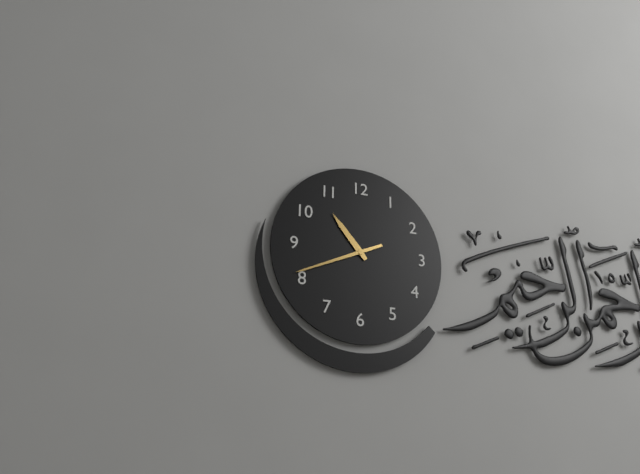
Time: {"hour": 10, "minute": 41}
